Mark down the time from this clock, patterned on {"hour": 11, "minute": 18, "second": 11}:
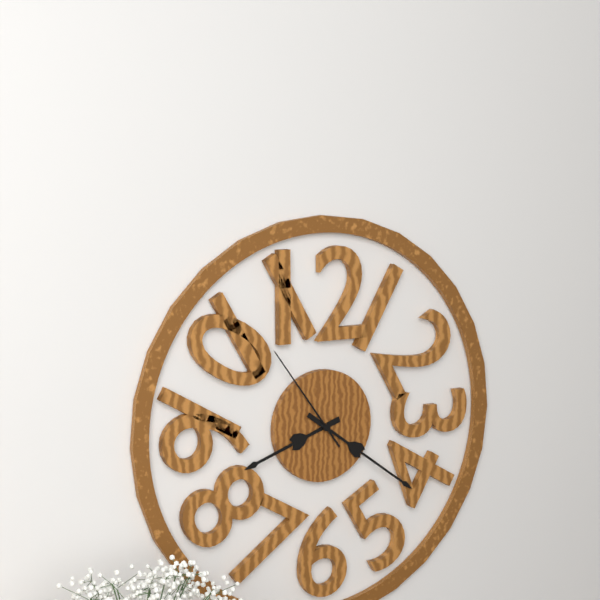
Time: {"hour": 8, "minute": 21, "second": 54}
